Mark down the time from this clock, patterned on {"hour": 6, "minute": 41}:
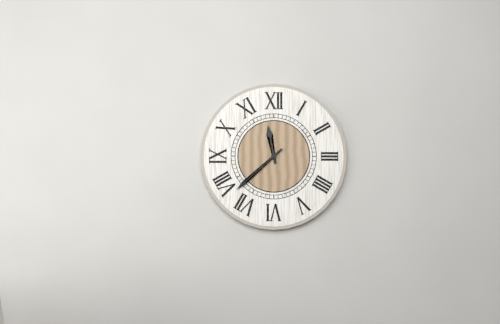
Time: {"hour": 11, "minute": 38}
